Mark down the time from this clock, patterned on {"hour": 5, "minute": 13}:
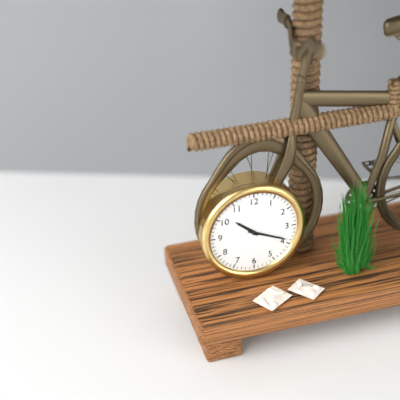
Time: {"hour": 10, "minute": 19}
